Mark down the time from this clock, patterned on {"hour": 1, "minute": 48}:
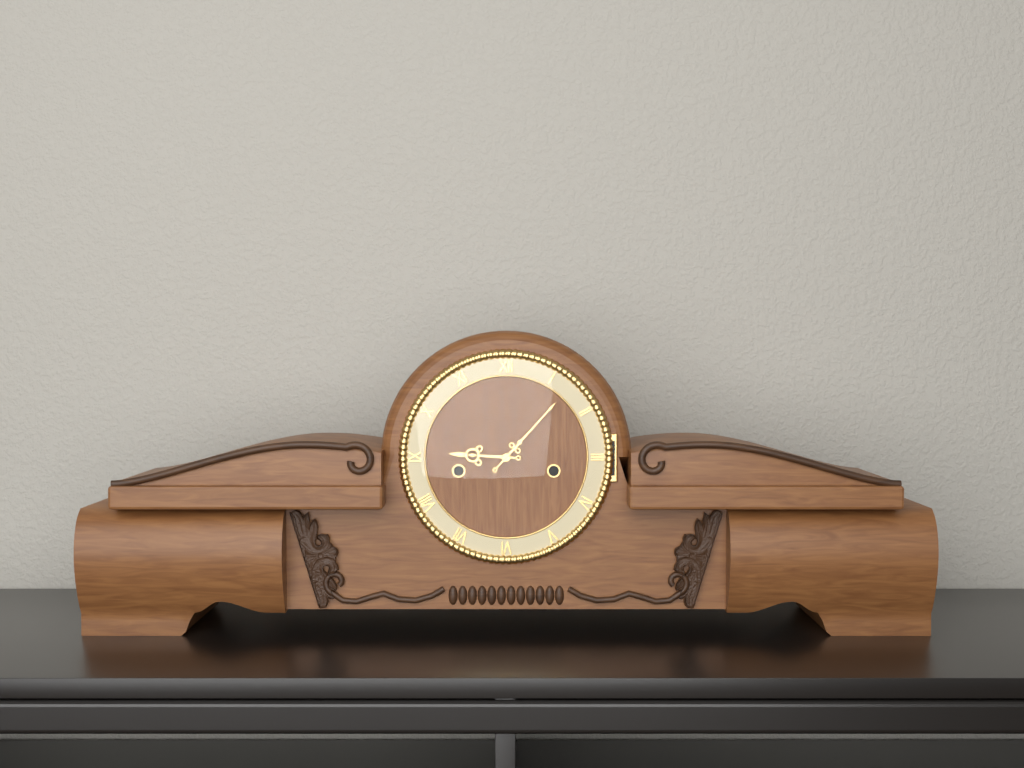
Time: {"hour": 9, "minute": 7}
